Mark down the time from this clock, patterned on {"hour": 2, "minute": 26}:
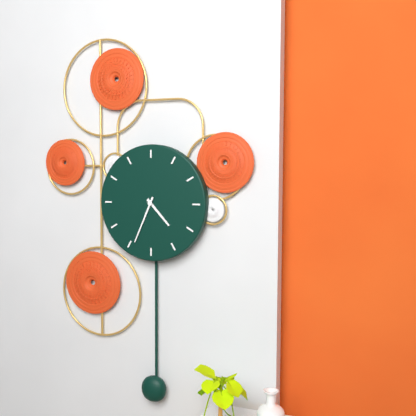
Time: {"hour": 4, "minute": 34}
